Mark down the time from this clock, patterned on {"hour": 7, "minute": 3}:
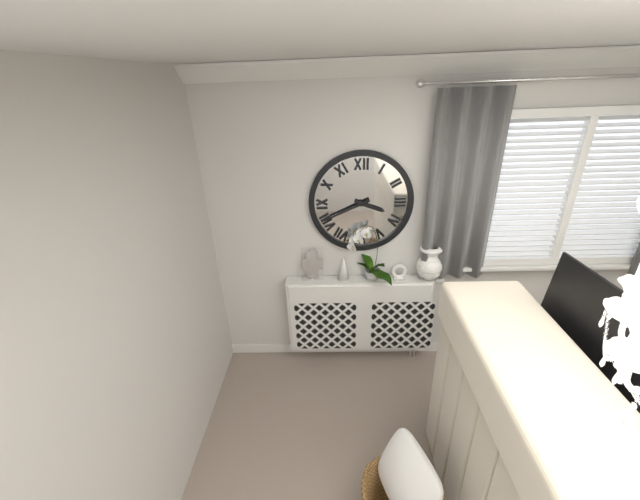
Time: {"hour": 3, "minute": 41}
